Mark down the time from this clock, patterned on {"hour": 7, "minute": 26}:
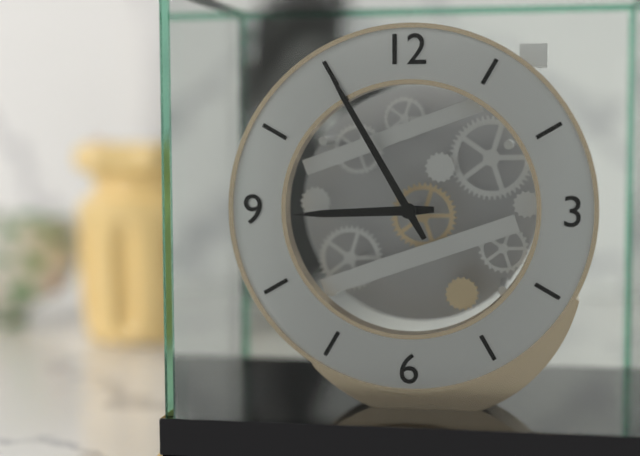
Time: {"hour": 8, "minute": 55}
